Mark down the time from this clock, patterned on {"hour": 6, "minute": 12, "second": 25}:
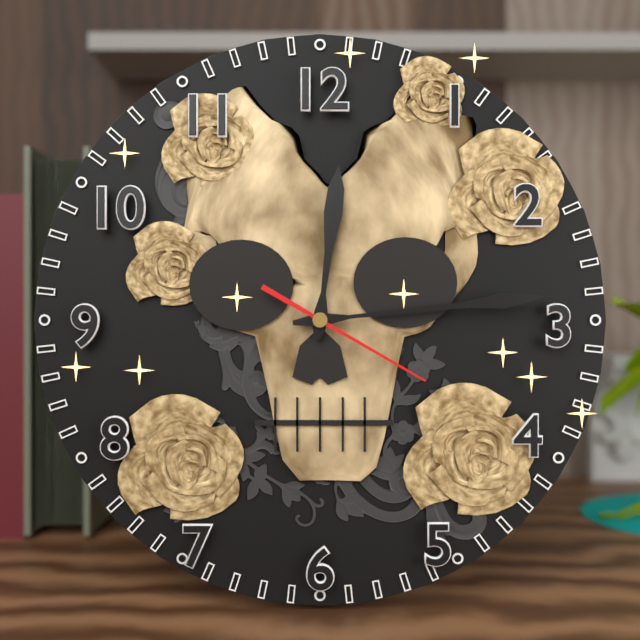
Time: {"hour": 12, "minute": 14, "second": 20}
